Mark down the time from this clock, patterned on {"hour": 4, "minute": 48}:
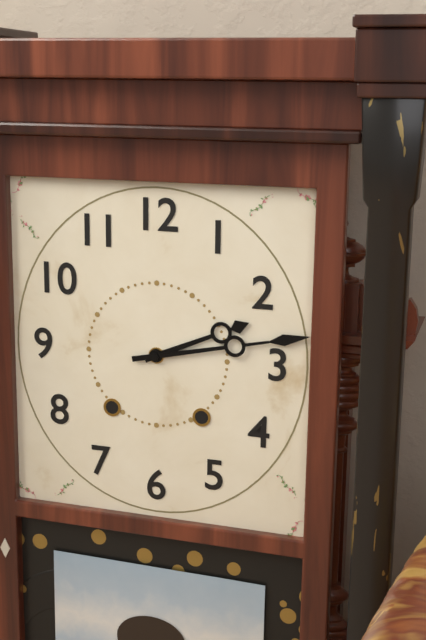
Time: {"hour": 2, "minute": 13}
